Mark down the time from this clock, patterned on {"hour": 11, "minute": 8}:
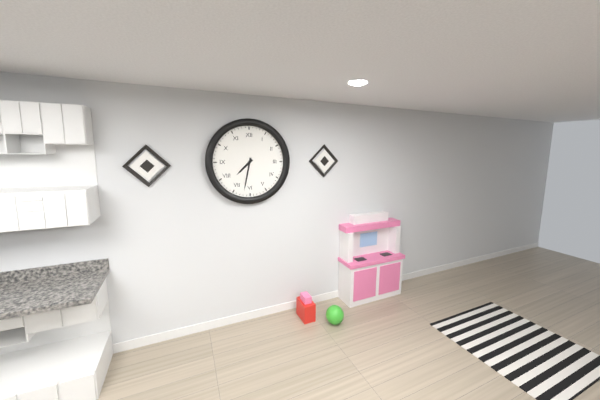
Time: {"hour": 7, "minute": 32}
